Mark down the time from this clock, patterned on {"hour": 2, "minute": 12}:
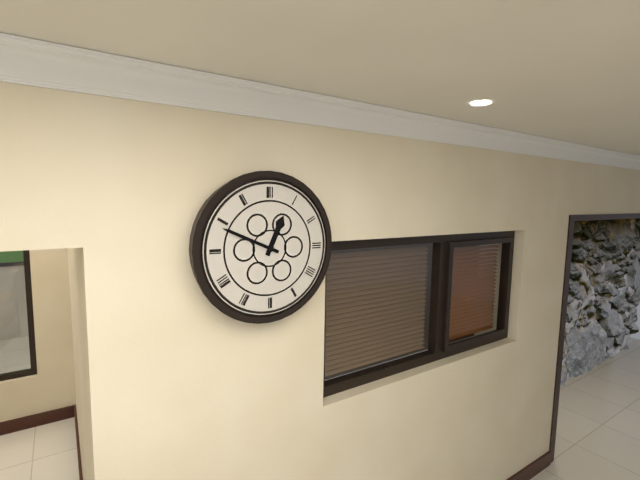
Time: {"hour": 12, "minute": 49}
